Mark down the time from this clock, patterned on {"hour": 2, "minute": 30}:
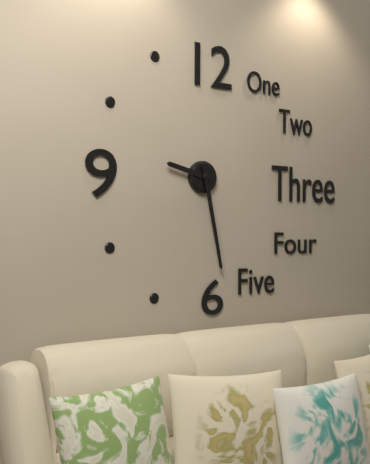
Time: {"hour": 9, "minute": 28}
